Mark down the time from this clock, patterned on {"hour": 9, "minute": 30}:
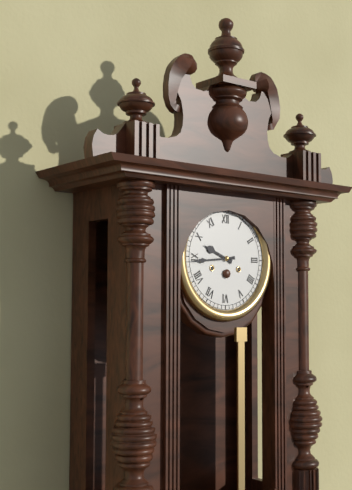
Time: {"hour": 9, "minute": 44}
